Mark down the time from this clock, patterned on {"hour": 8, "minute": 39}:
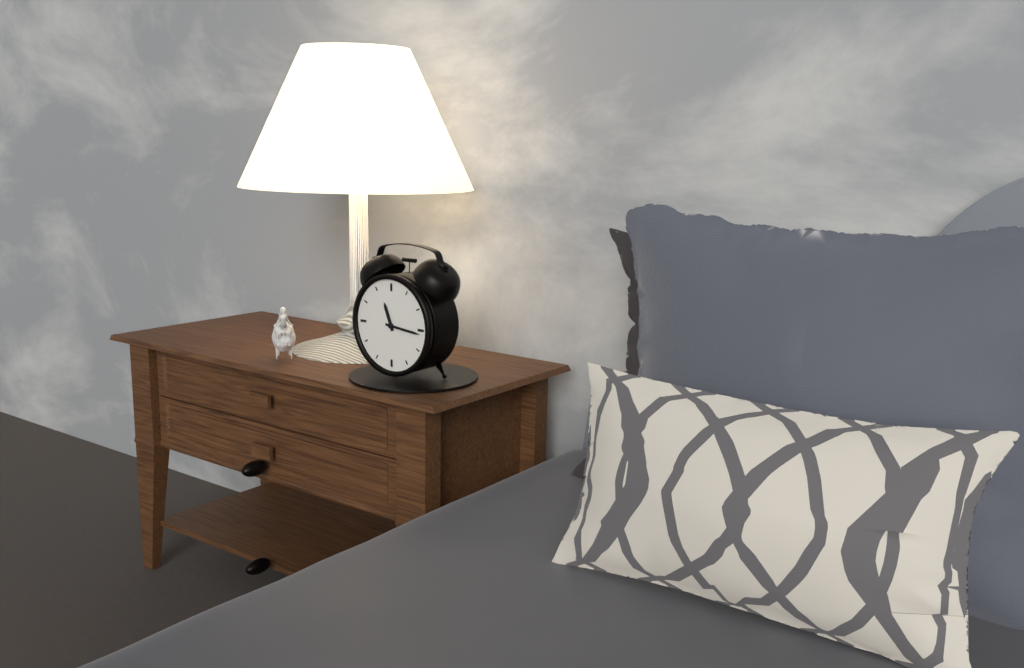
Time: {"hour": 11, "minute": 16}
